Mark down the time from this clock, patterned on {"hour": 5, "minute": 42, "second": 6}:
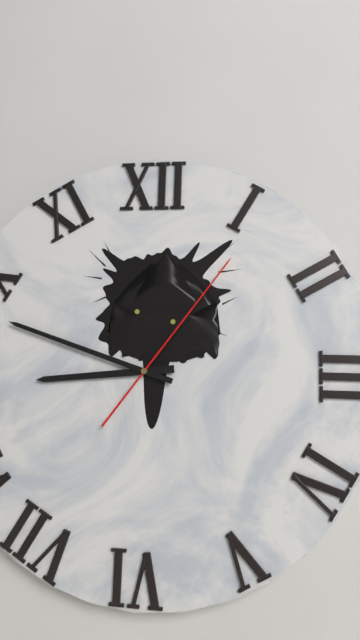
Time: {"hour": 8, "minute": 48, "second": 6}
